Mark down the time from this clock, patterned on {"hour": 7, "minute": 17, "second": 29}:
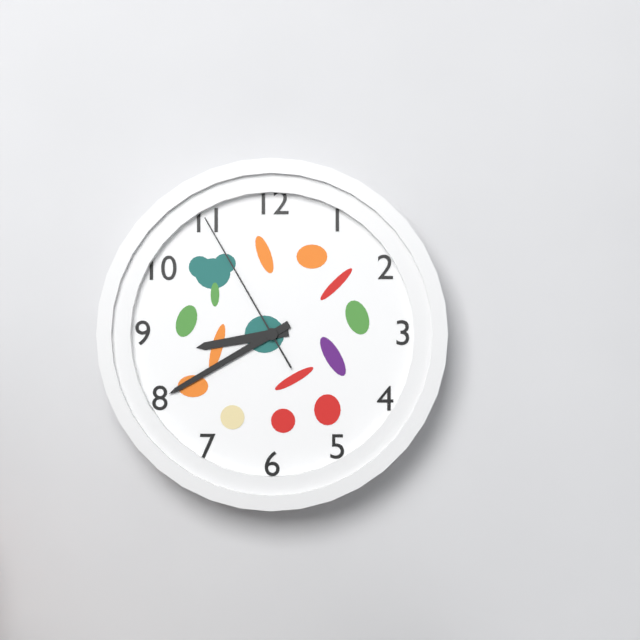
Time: {"hour": 8, "minute": 40, "second": 55}
